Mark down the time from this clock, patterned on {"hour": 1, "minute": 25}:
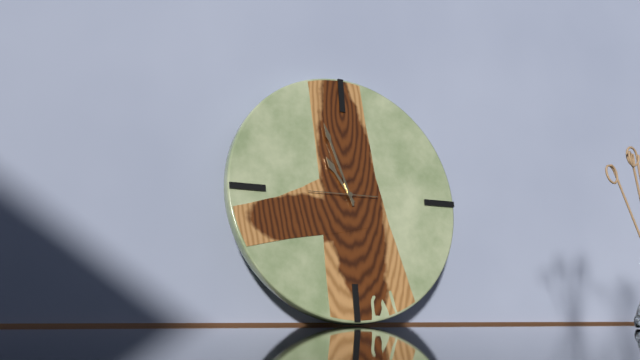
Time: {"hour": 10, "minute": 57}
